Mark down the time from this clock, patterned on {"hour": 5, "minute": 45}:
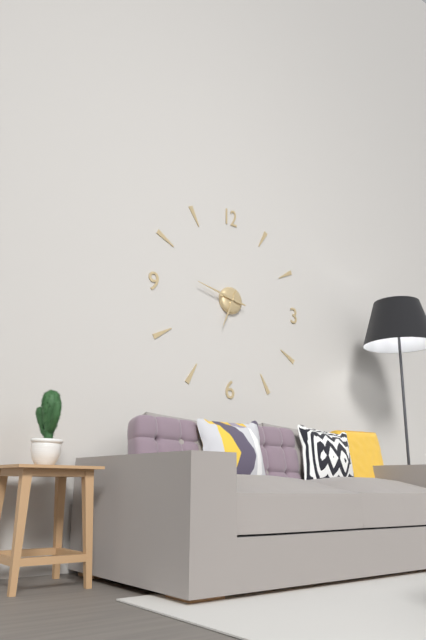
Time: {"hour": 6, "minute": 47}
